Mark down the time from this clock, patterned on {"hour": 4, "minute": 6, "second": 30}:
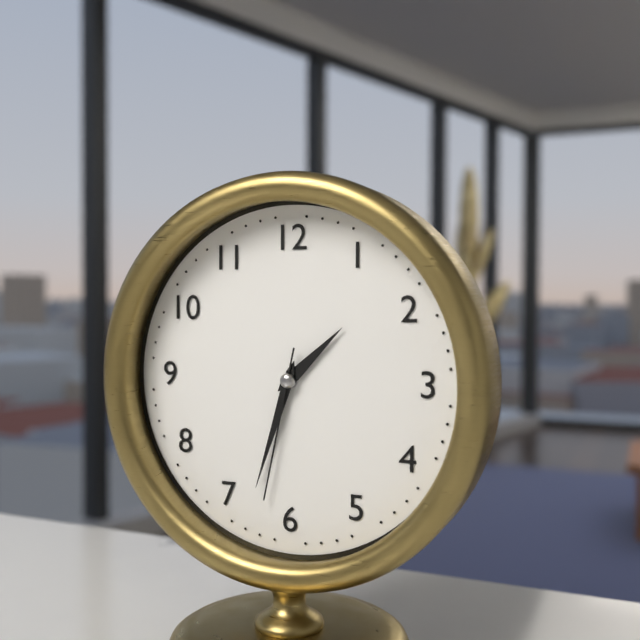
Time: {"hour": 1, "minute": 33, "second": 32}
